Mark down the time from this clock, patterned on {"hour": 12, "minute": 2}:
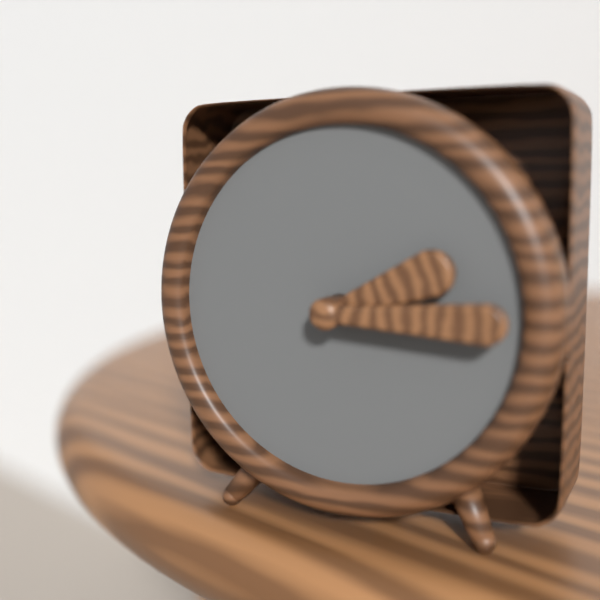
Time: {"hour": 2, "minute": 15}
